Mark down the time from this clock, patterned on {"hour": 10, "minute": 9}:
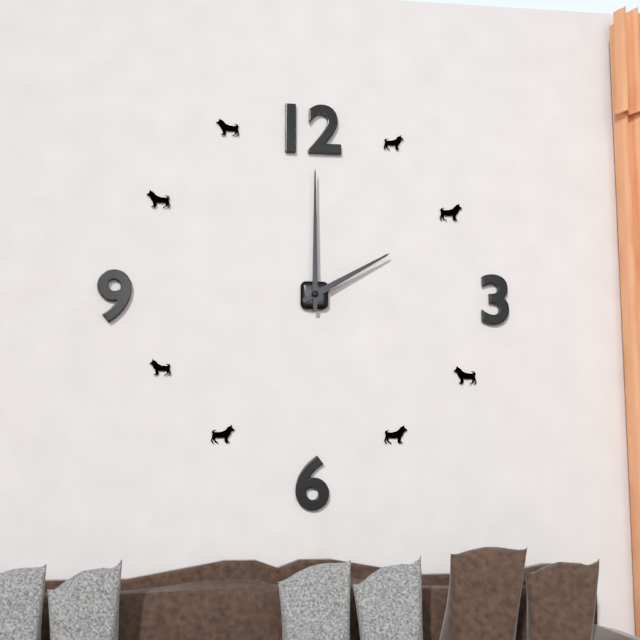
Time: {"hour": 2, "minute": 0}
